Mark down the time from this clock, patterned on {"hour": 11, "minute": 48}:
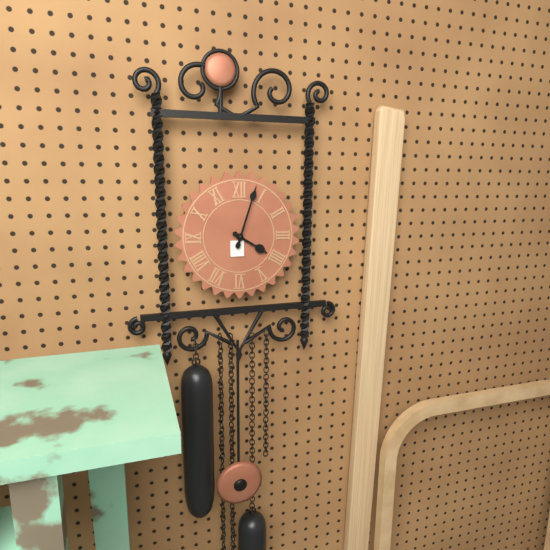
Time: {"hour": 4, "minute": 3}
